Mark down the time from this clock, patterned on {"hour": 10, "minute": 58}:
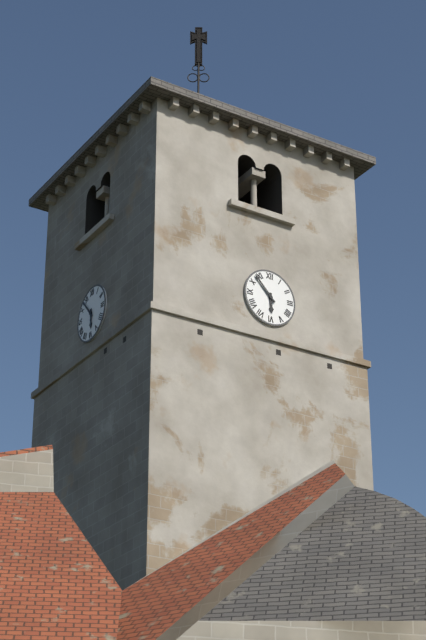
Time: {"hour": 5, "minute": 53}
